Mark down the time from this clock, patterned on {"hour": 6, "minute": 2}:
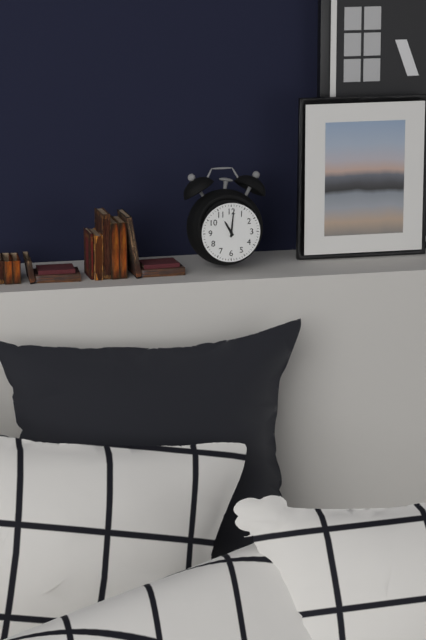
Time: {"hour": 11, "minute": 1}
